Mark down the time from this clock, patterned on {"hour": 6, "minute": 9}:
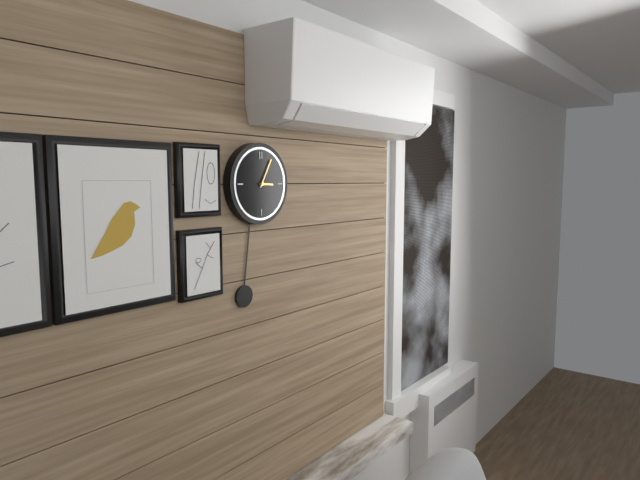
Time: {"hour": 3, "minute": 5}
